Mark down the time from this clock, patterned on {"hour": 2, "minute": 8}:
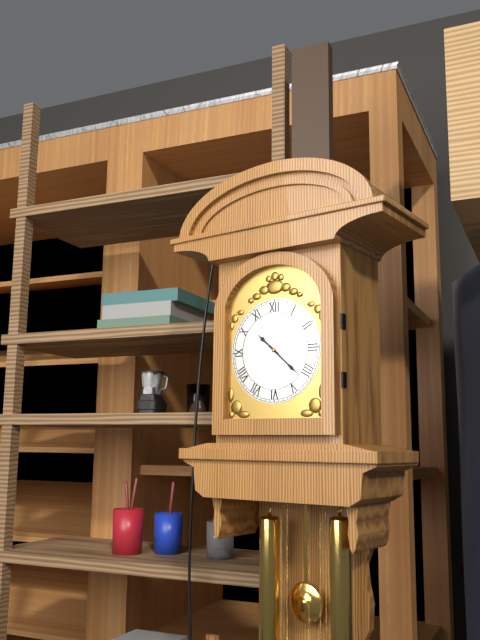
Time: {"hour": 10, "minute": 22}
